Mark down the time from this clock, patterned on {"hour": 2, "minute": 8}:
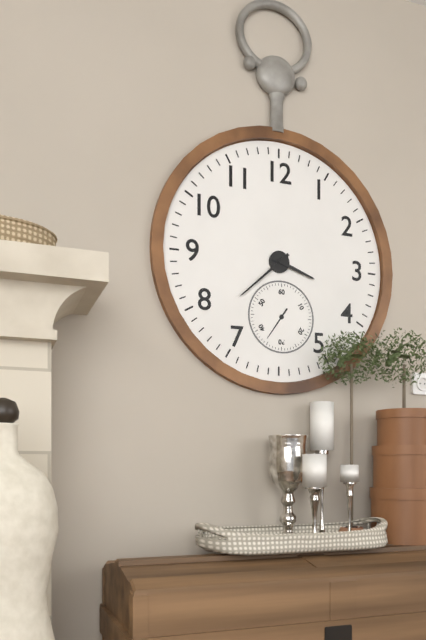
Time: {"hour": 3, "minute": 38}
